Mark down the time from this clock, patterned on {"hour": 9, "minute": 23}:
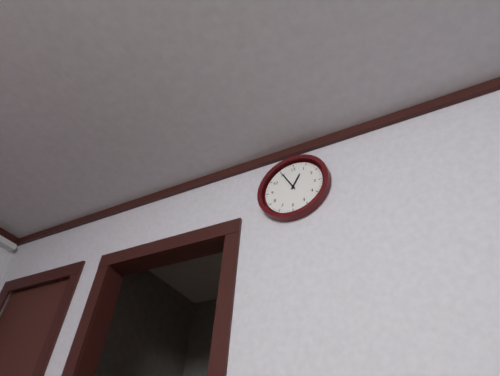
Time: {"hour": 12, "minute": 55}
